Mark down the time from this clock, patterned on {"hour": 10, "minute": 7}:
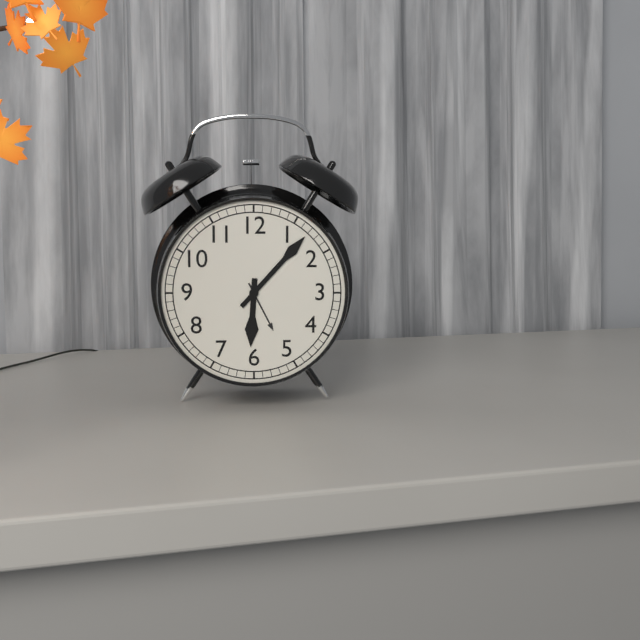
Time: {"hour": 6, "minute": 7}
